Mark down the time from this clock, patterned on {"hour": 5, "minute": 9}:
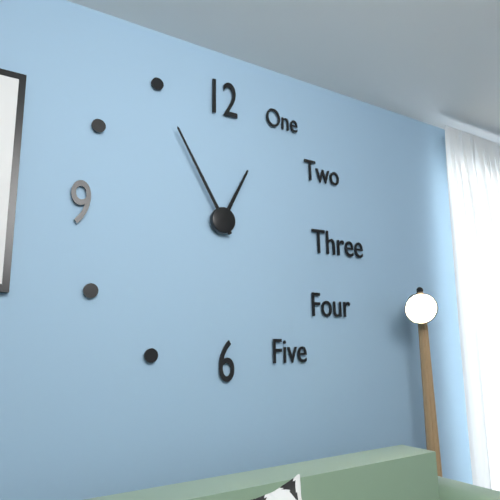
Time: {"hour": 12, "minute": 55}
